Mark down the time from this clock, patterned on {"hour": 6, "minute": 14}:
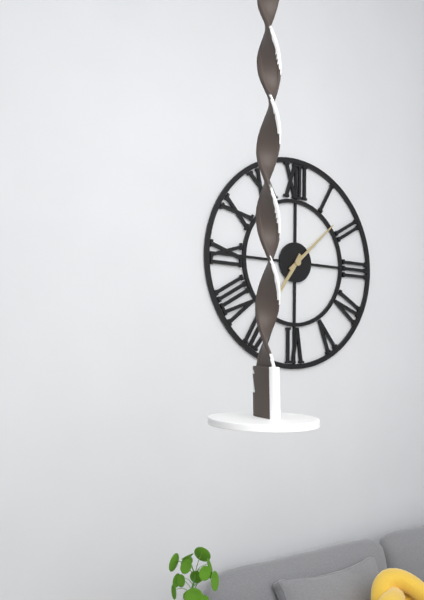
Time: {"hour": 7, "minute": 8}
